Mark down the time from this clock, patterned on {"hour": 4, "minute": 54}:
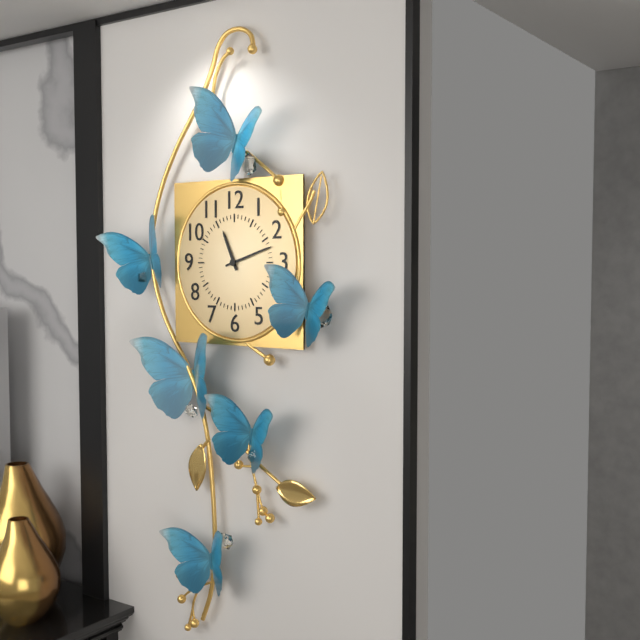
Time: {"hour": 11, "minute": 12}
